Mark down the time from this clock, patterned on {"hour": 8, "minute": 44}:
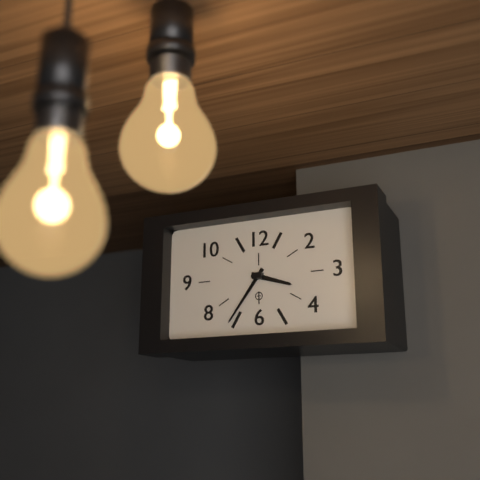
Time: {"hour": 3, "minute": 36}
